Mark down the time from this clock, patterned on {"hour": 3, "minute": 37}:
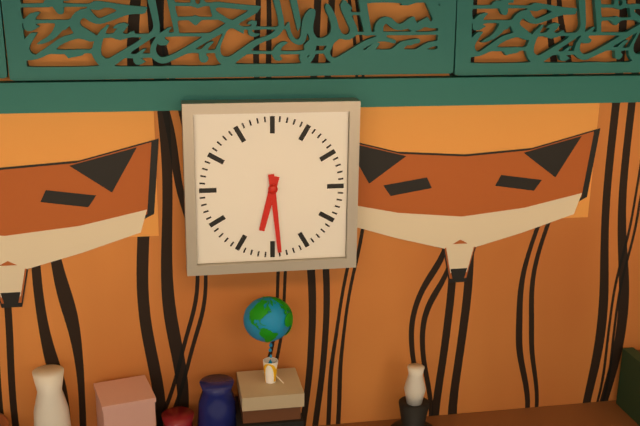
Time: {"hour": 6, "minute": 29}
